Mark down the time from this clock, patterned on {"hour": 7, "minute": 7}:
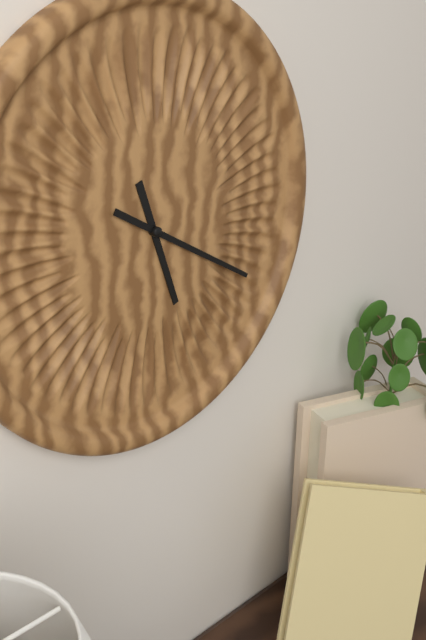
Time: {"hour": 5, "minute": 20}
